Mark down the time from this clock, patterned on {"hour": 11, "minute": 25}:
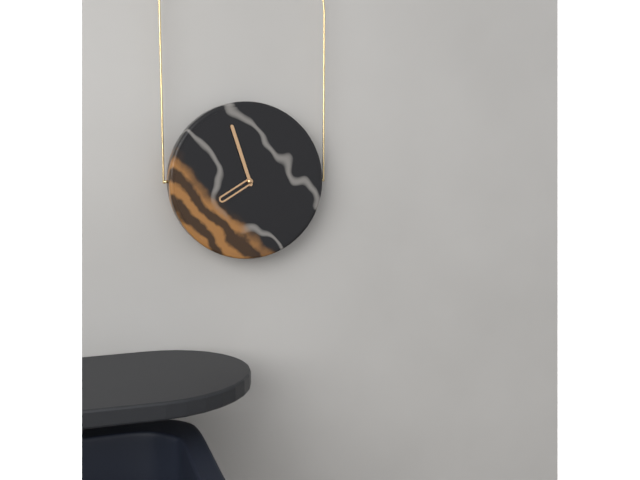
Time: {"hour": 7, "minute": 57}
